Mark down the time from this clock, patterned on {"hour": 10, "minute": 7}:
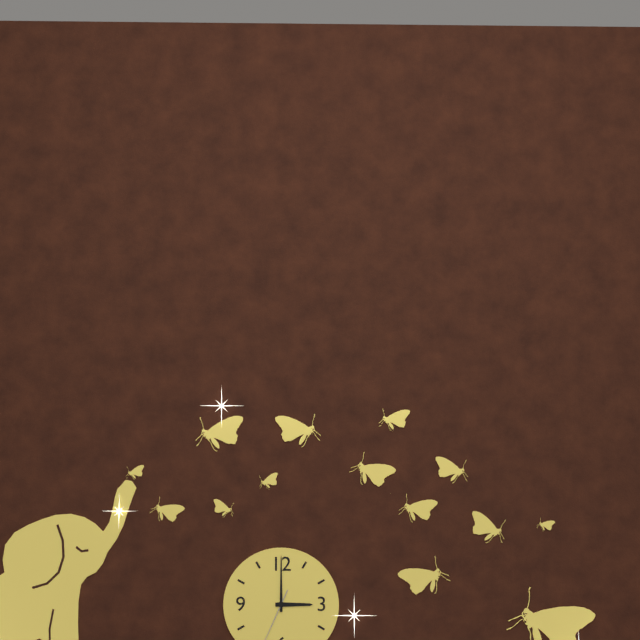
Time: {"hour": 3, "minute": 0}
